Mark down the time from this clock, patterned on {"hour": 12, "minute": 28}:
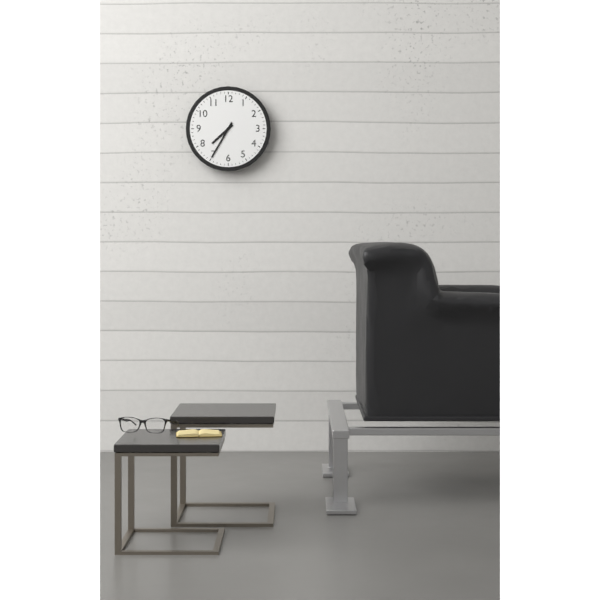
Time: {"hour": 7, "minute": 35}
